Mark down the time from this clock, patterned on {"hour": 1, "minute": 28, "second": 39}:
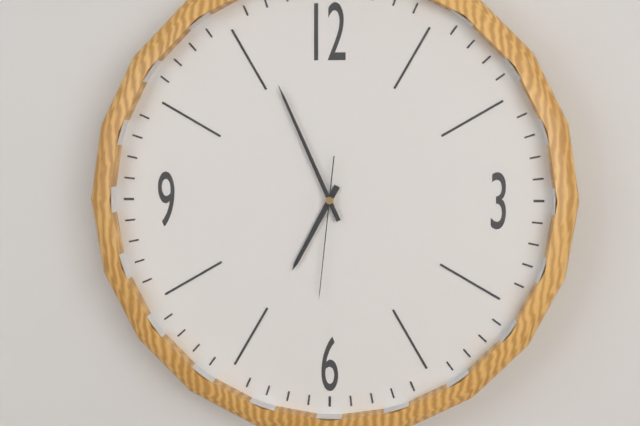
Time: {"hour": 6, "minute": 56, "second": 31}
